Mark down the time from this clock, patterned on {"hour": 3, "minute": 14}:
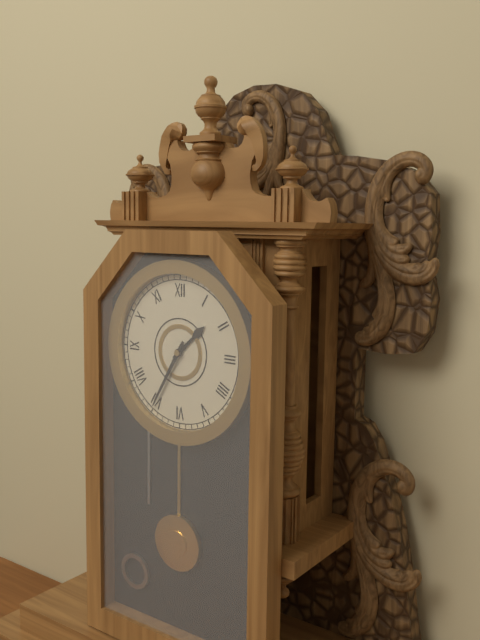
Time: {"hour": 1, "minute": 35}
